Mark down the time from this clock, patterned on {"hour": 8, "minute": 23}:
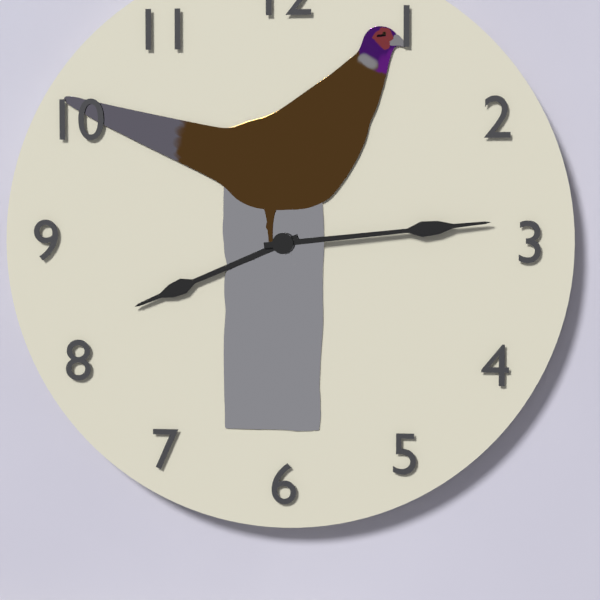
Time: {"hour": 8, "minute": 14}
